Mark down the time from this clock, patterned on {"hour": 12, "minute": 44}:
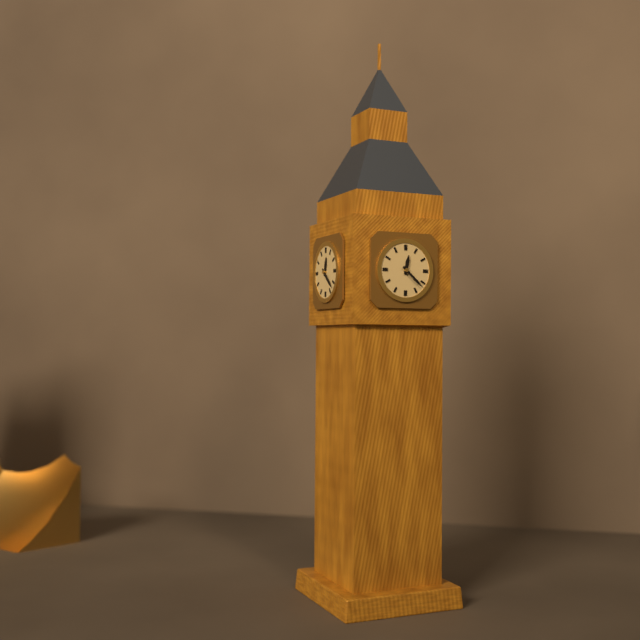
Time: {"hour": 12, "minute": 22}
